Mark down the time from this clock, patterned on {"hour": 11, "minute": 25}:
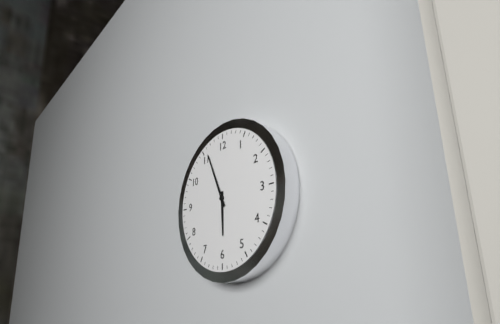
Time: {"hour": 5, "minute": 56}
